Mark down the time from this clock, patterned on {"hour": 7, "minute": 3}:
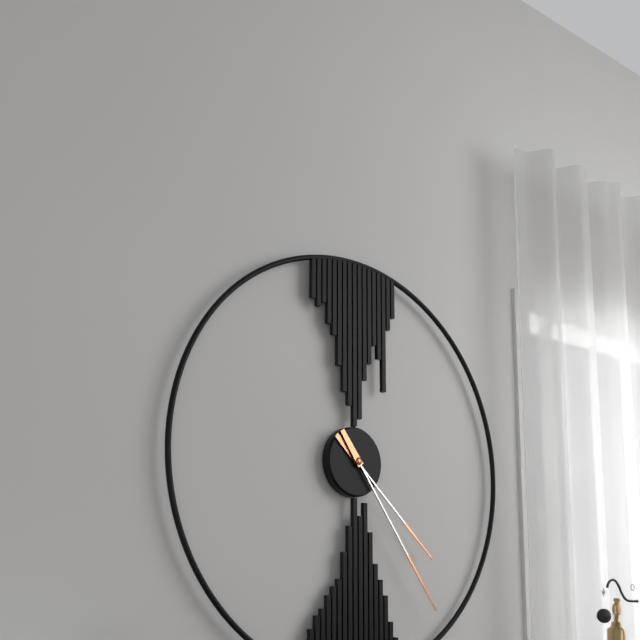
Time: {"hour": 4, "minute": 24}
